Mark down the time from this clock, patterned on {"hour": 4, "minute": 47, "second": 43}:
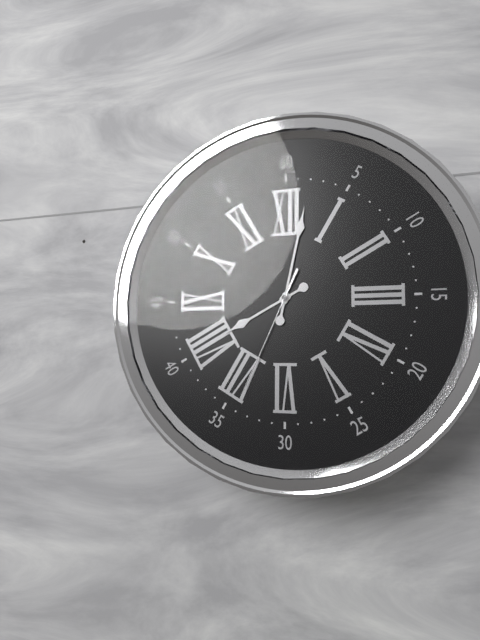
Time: {"hour": 8, "minute": 2, "second": 34}
